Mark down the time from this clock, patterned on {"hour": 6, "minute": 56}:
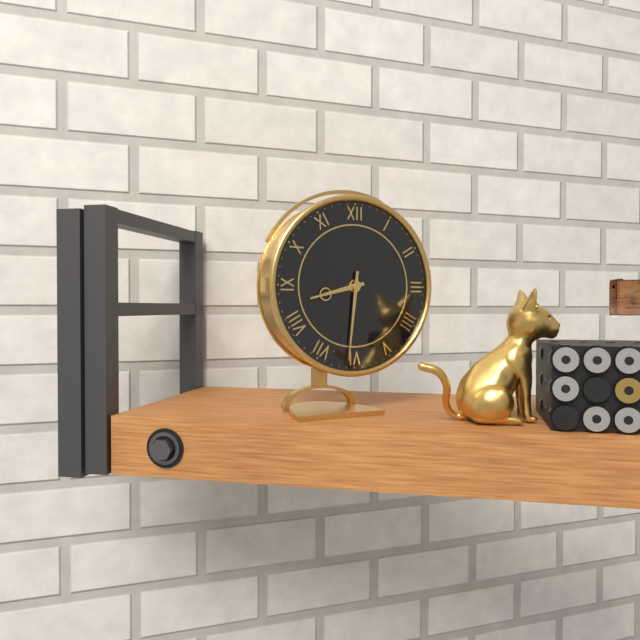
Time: {"hour": 8, "minute": 31}
